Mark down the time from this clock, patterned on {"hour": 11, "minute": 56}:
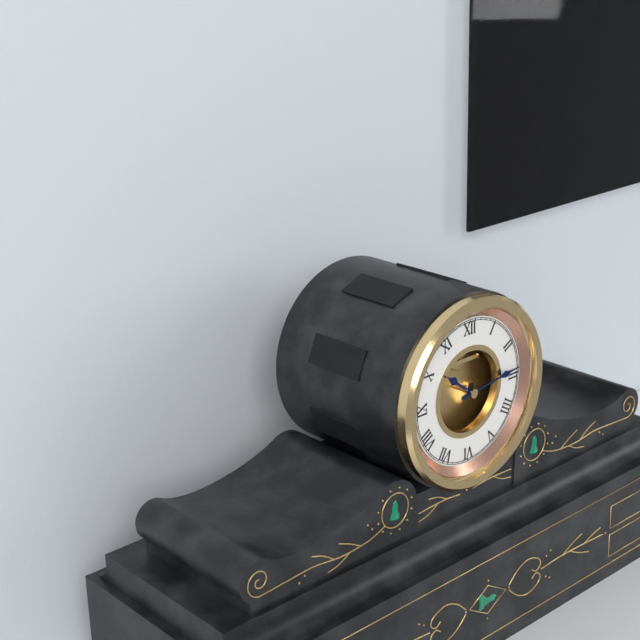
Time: {"hour": 10, "minute": 14}
